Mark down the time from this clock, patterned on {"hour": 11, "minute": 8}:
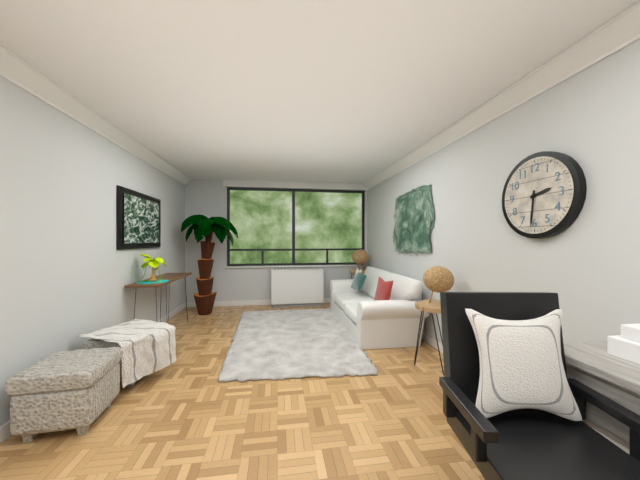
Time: {"hour": 2, "minute": 31}
